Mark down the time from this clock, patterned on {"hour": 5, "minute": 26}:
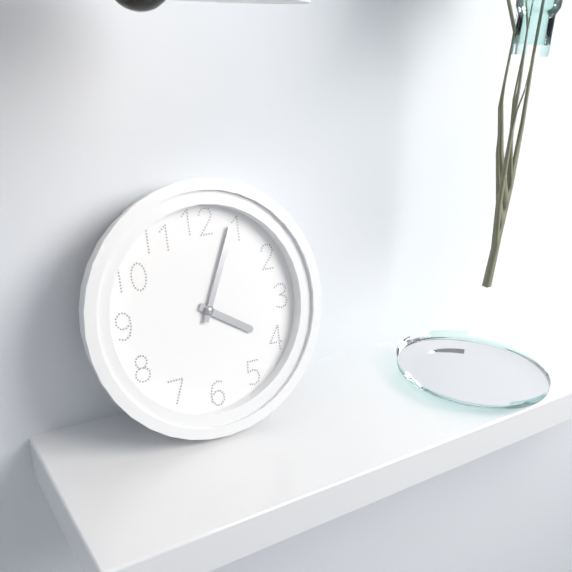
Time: {"hour": 4, "minute": 4}
